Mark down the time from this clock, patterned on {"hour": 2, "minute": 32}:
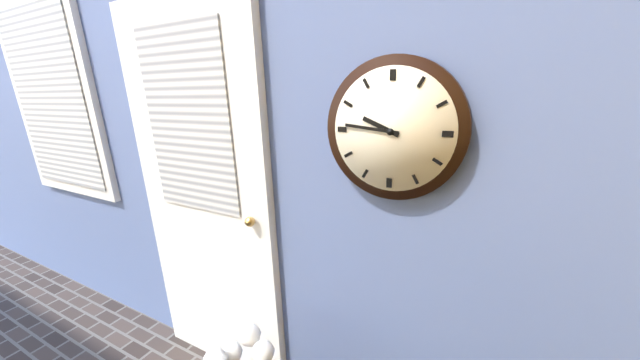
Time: {"hour": 9, "minute": 46}
